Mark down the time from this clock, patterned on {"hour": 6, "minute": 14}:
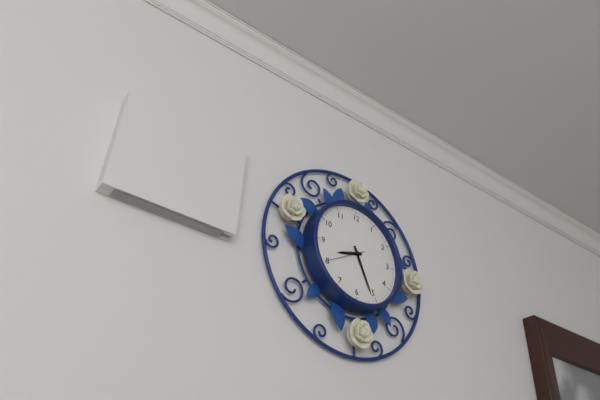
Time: {"hour": 8, "minute": 26}
